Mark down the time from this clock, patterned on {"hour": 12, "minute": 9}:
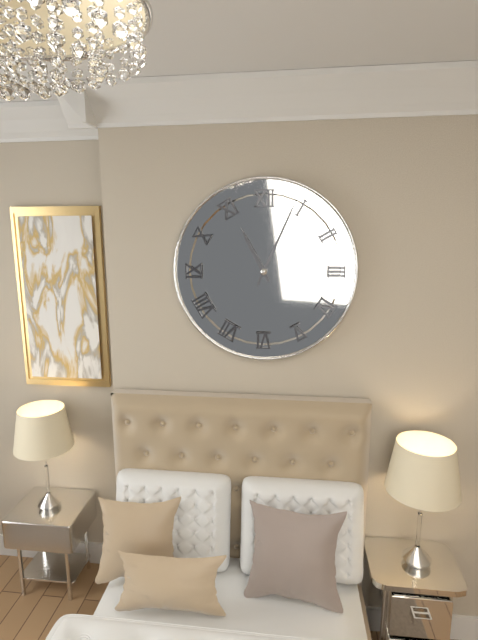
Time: {"hour": 11, "minute": 4}
